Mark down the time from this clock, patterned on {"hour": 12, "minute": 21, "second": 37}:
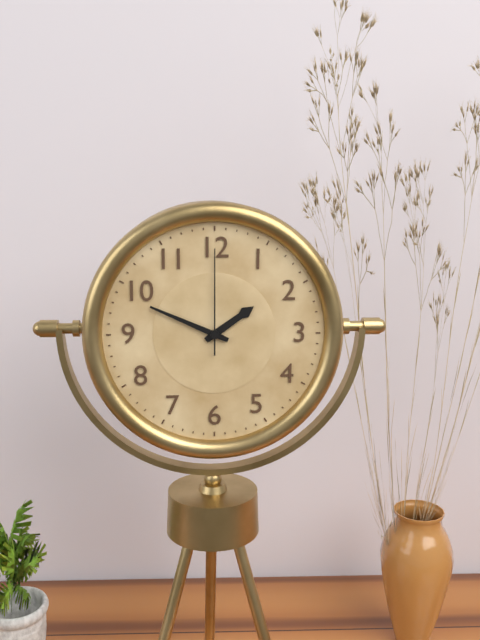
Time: {"hour": 1, "minute": 49, "second": 0}
